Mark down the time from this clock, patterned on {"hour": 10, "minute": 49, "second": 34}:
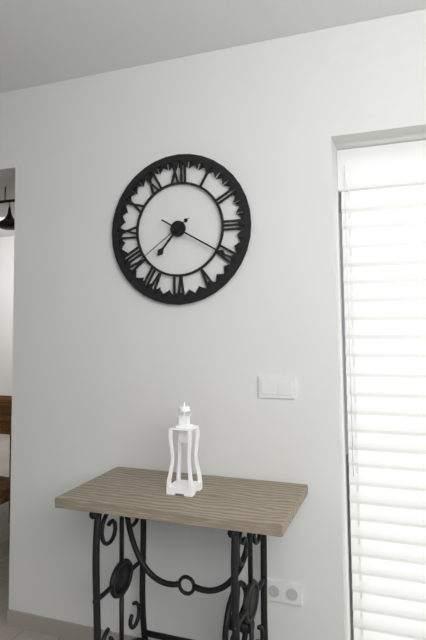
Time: {"hour": 7, "minute": 20, "second": 39}
